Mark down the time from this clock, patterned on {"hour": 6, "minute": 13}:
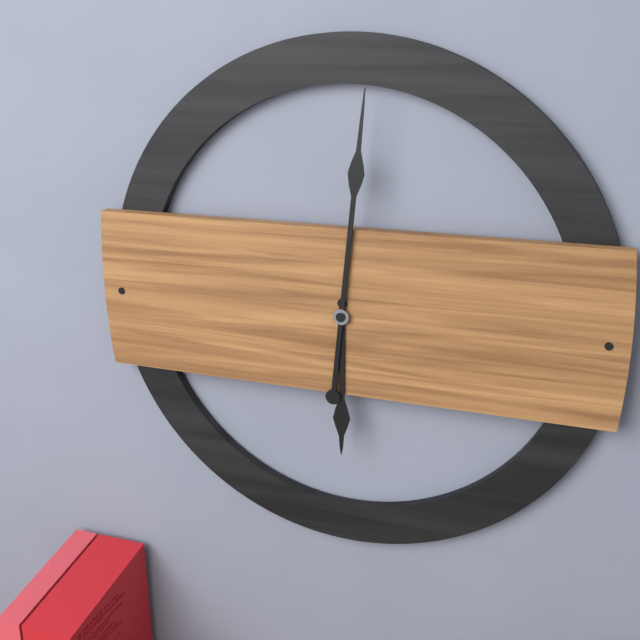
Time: {"hour": 6, "minute": 1}
